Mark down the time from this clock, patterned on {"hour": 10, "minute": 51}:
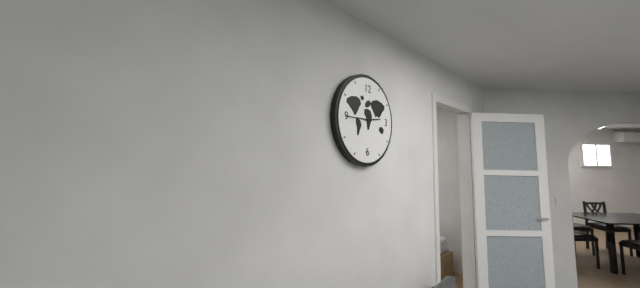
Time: {"hour": 2, "minute": 45}
